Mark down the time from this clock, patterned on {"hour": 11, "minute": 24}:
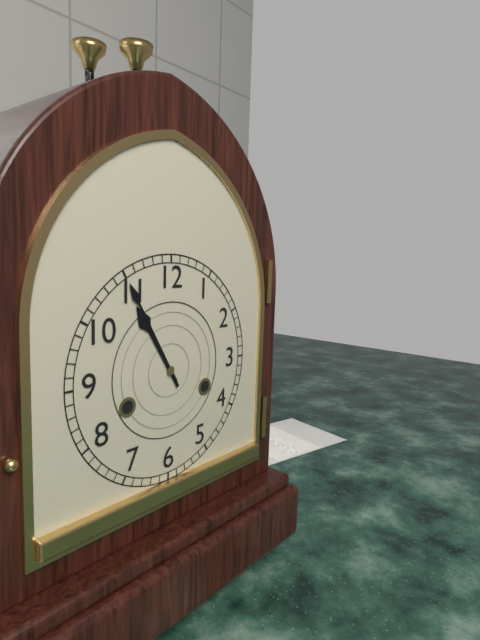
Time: {"hour": 10, "minute": 55}
